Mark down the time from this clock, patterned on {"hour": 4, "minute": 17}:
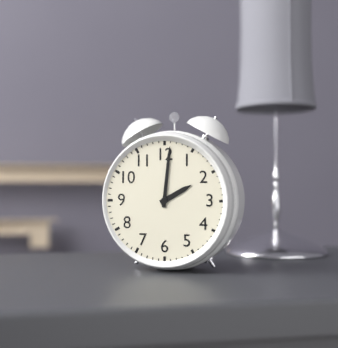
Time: {"hour": 2, "minute": 1}
